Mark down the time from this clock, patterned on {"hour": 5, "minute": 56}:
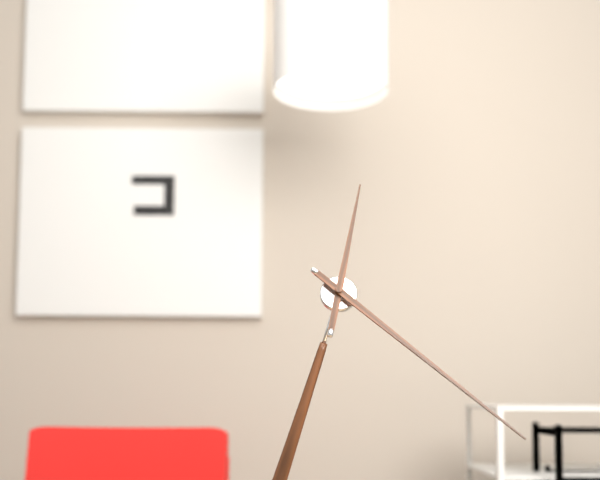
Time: {"hour": 12, "minute": 22}
